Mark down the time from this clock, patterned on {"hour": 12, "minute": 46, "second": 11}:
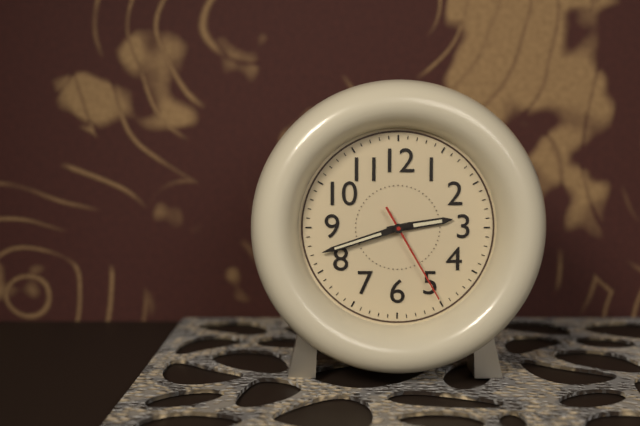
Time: {"hour": 2, "minute": 42, "second": 25}
